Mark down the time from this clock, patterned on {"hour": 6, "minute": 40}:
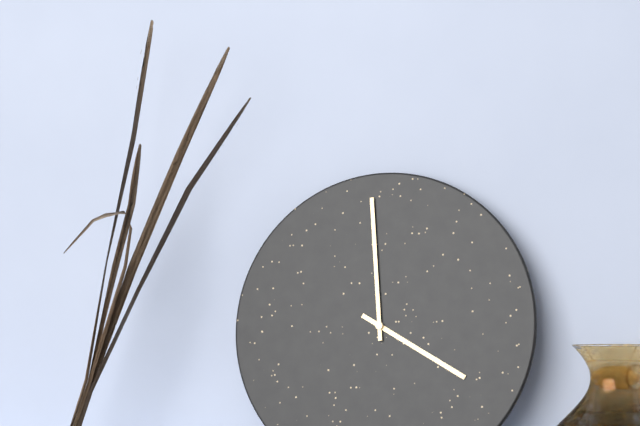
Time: {"hour": 3, "minute": 59}
